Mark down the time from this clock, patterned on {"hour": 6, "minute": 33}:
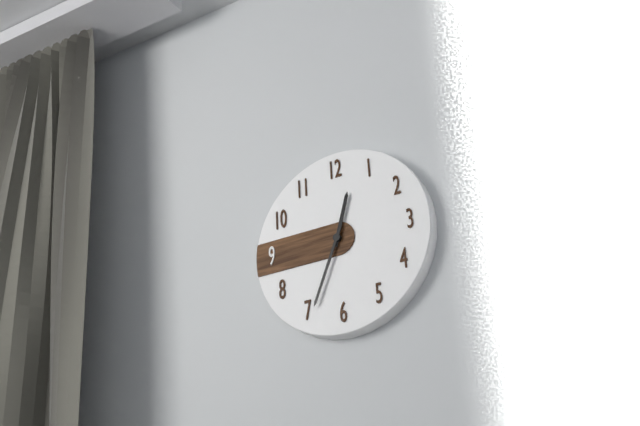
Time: {"hour": 12, "minute": 34}
